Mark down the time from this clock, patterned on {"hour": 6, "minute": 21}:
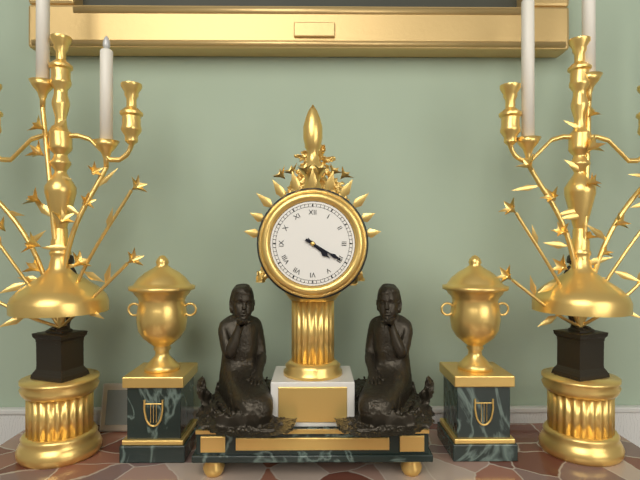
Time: {"hour": 4, "minute": 20}
